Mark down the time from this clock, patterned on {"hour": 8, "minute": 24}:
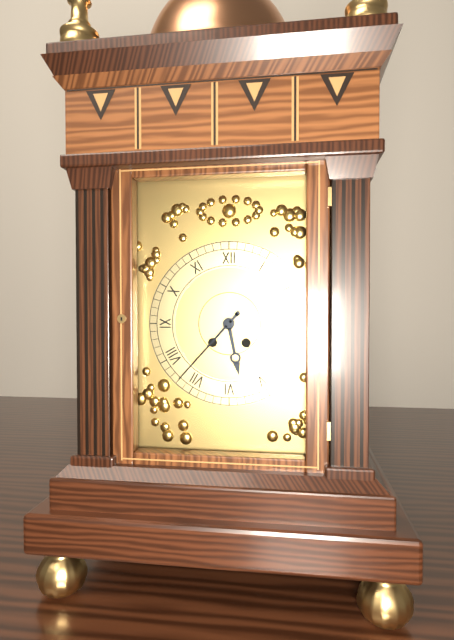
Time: {"hour": 5, "minute": 37}
